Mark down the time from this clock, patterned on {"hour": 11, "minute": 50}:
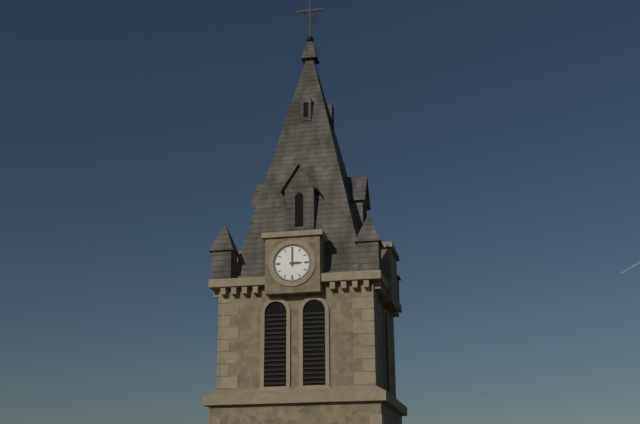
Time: {"hour": 3, "minute": 0}
